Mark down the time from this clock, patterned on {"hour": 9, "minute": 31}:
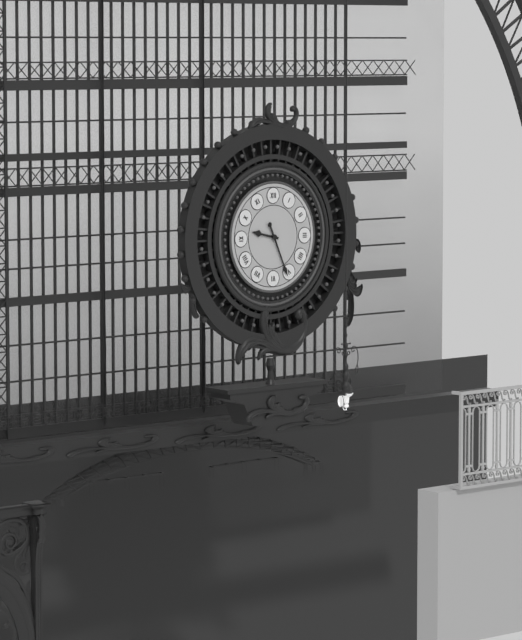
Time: {"hour": 9, "minute": 26}
